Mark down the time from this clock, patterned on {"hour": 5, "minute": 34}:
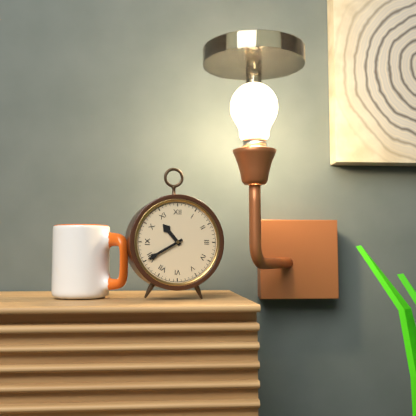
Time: {"hour": 10, "minute": 40}
